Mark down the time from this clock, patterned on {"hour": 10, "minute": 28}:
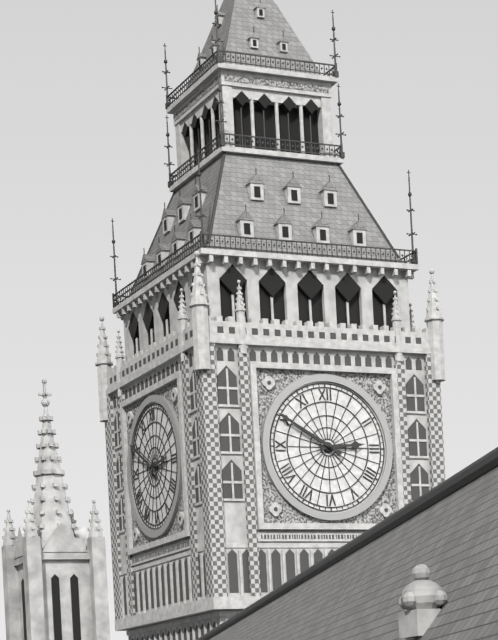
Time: {"hour": 2, "minute": 50}
